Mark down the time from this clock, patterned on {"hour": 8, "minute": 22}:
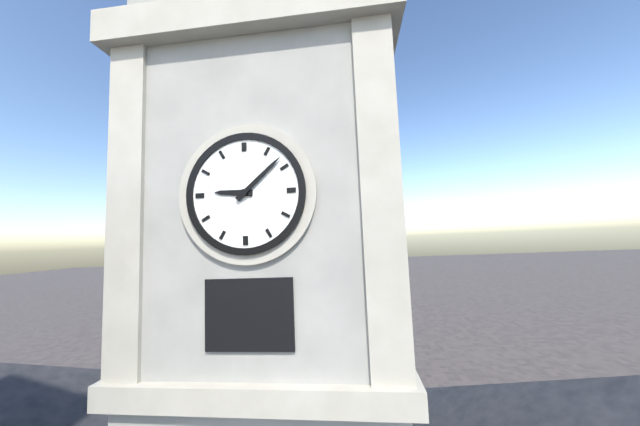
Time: {"hour": 9, "minute": 8}
